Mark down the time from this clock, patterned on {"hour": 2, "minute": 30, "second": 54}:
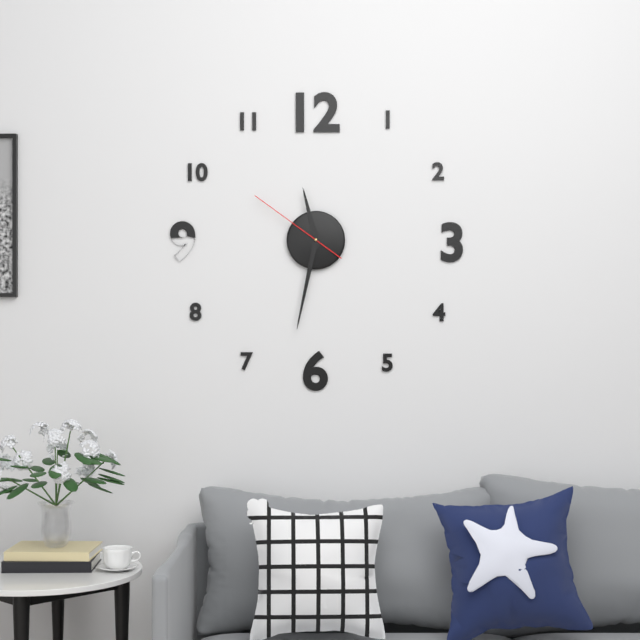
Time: {"hour": 11, "minute": 32, "second": 51}
